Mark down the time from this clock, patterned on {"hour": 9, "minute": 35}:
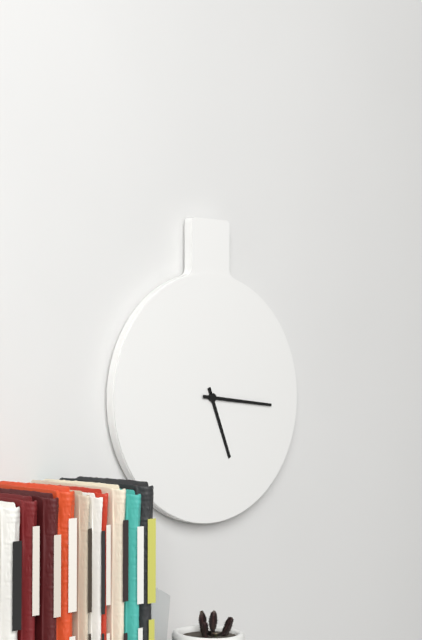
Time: {"hour": 5, "minute": 16}
